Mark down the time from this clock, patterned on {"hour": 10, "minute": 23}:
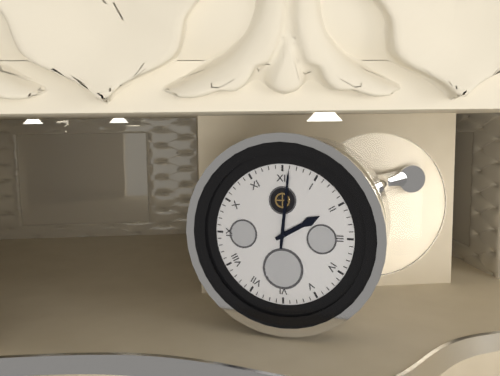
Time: {"hour": 2, "minute": 1}
